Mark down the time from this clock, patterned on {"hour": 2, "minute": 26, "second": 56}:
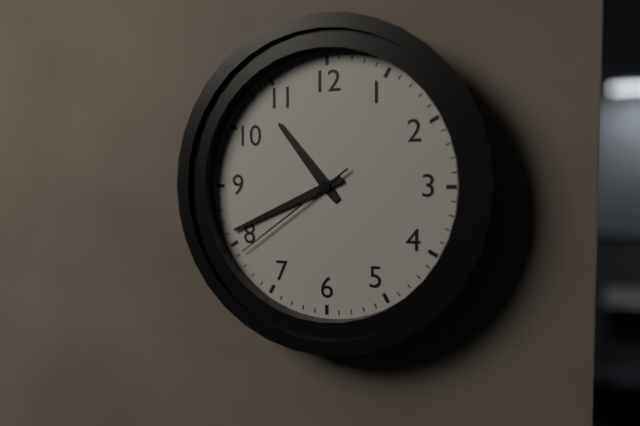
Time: {"hour": 10, "minute": 41, "second": 39}
